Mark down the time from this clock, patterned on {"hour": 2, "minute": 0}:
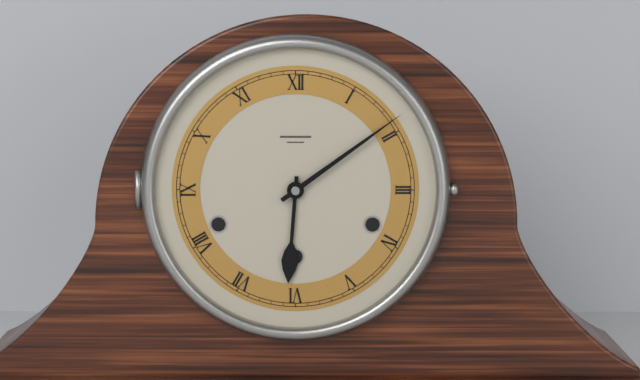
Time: {"hour": 6, "minute": 9}
